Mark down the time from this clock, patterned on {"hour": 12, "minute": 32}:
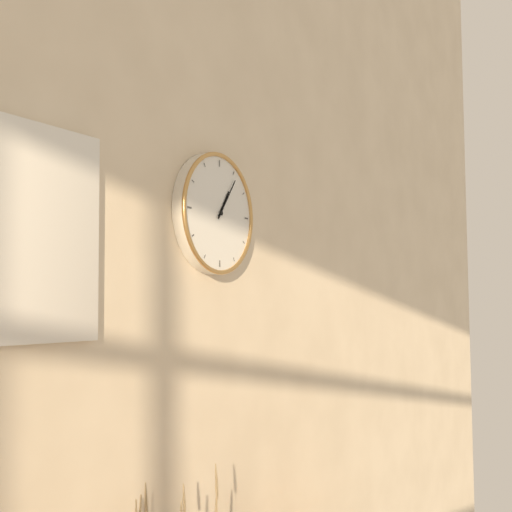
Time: {"hour": 1, "minute": 6}
